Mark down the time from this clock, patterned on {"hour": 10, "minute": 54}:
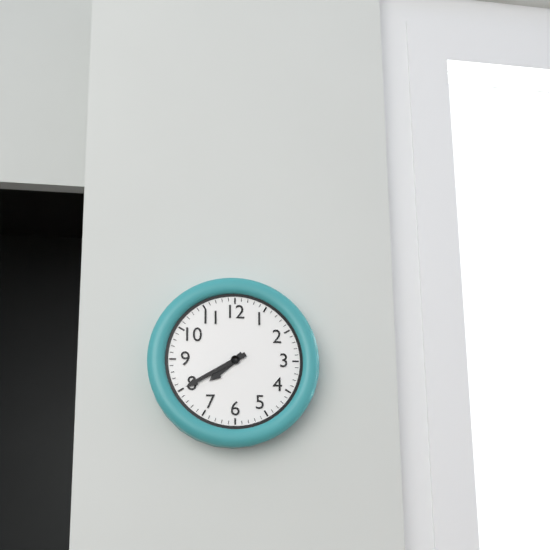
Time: {"hour": 7, "minute": 40}
